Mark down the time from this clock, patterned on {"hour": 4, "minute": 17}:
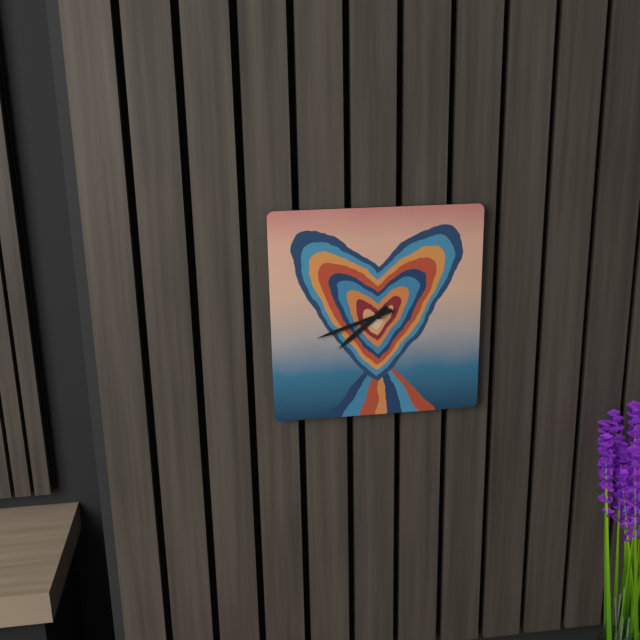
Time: {"hour": 7, "minute": 42}
